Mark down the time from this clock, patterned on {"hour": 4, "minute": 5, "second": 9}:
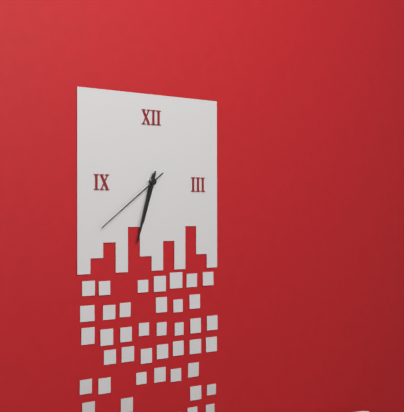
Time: {"hour": 6, "minute": 33, "second": 39}
